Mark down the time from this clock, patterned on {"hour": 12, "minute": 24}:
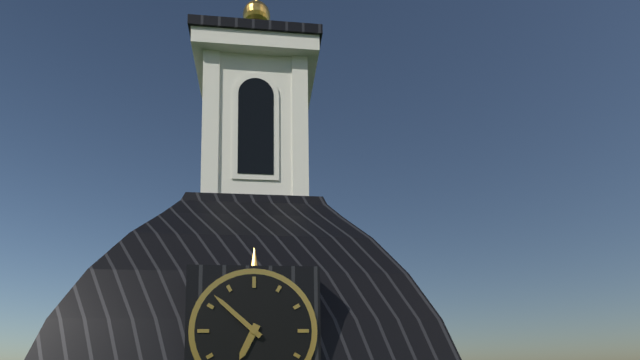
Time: {"hour": 6, "minute": 52}
